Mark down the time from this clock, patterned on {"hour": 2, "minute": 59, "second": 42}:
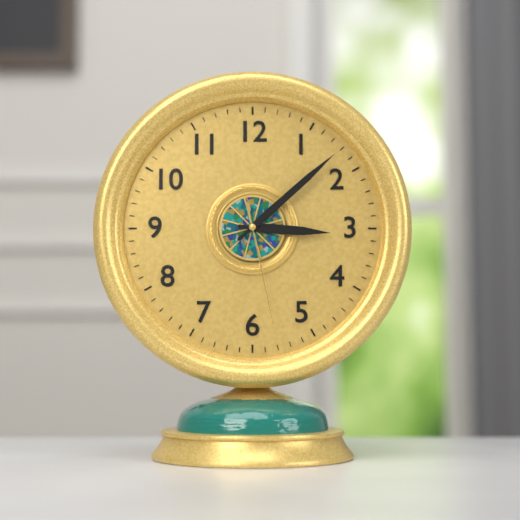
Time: {"hour": 3, "minute": 8, "second": 28}
